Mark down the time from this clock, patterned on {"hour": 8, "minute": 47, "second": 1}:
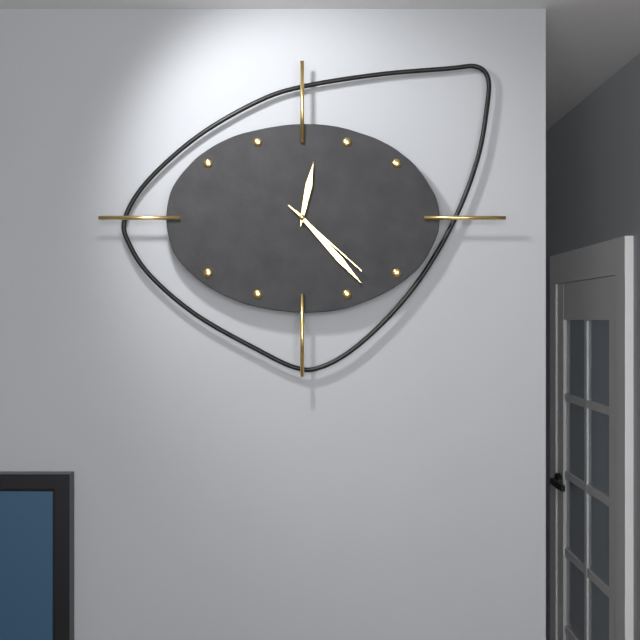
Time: {"hour": 12, "minute": 23, "second": 22}
